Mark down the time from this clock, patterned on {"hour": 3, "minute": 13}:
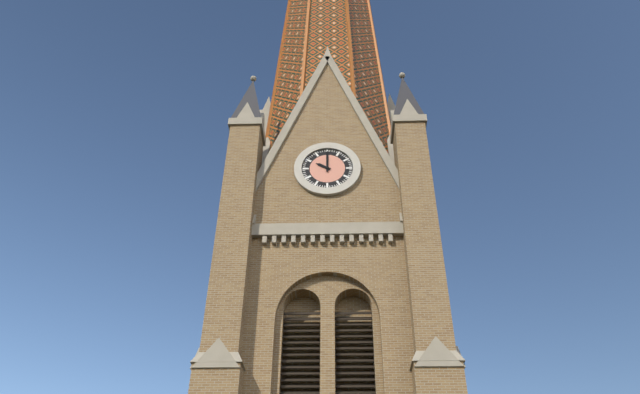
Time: {"hour": 10, "minute": 0}
